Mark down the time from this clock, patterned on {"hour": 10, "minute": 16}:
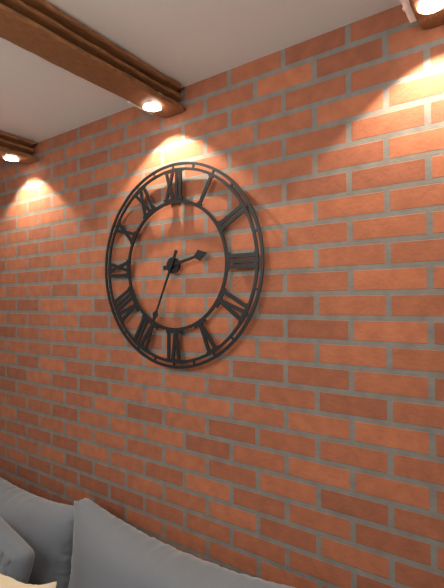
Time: {"hour": 2, "minute": 34}
